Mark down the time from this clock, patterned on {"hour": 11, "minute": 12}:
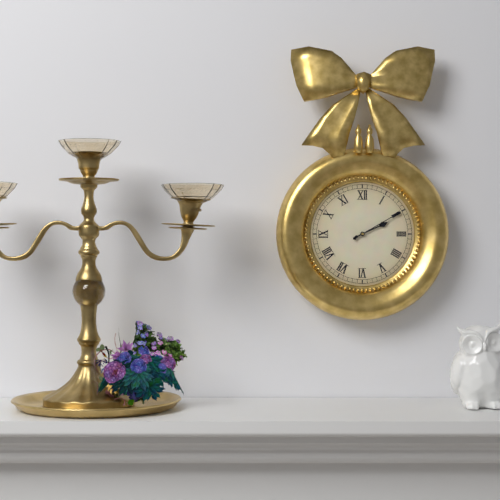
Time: {"hour": 2, "minute": 10}
